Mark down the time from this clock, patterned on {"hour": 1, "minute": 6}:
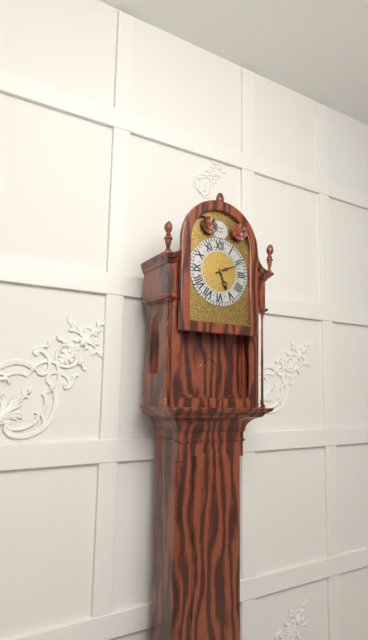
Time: {"hour": 5, "minute": 11}
